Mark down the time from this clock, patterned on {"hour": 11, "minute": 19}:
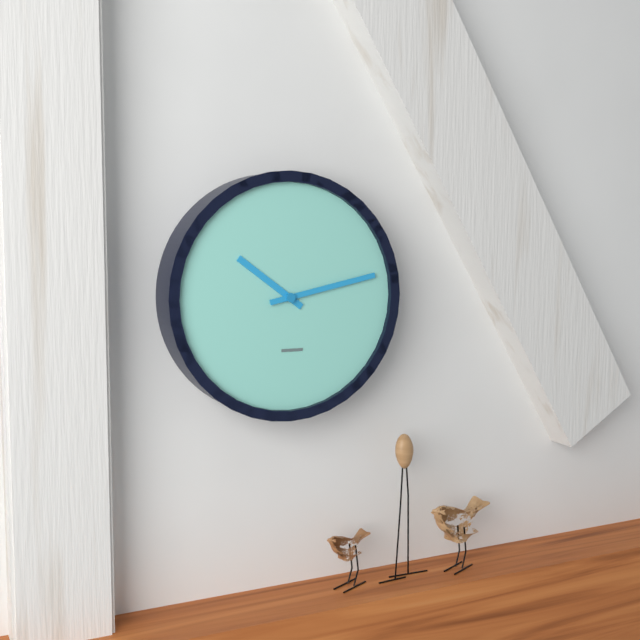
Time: {"hour": 10, "minute": 13}
